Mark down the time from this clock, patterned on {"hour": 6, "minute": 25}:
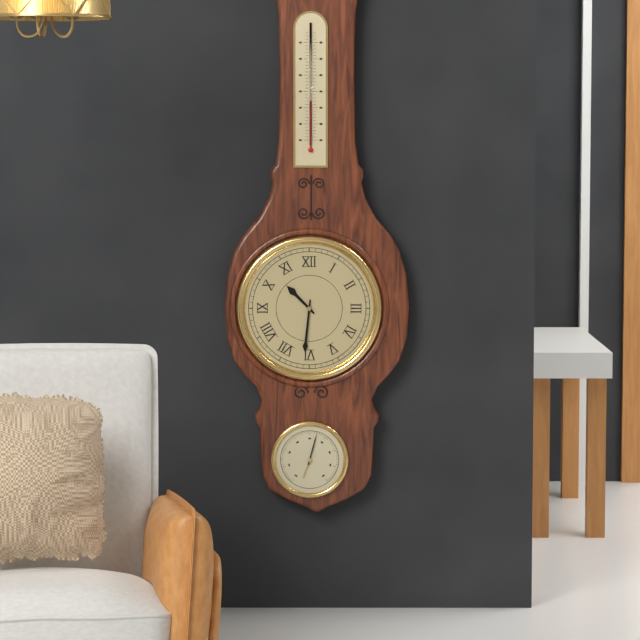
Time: {"hour": 10, "minute": 31}
